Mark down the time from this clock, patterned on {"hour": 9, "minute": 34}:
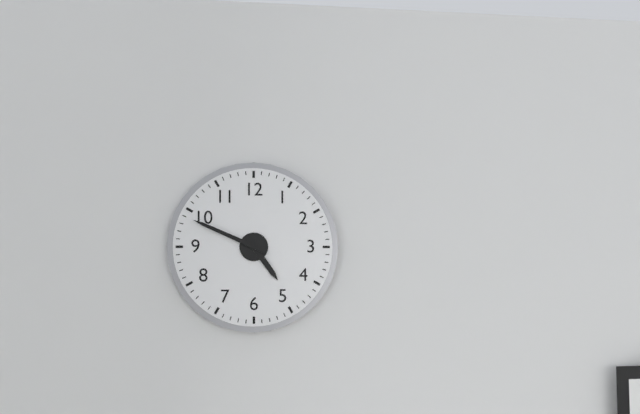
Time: {"hour": 4, "minute": 49}
